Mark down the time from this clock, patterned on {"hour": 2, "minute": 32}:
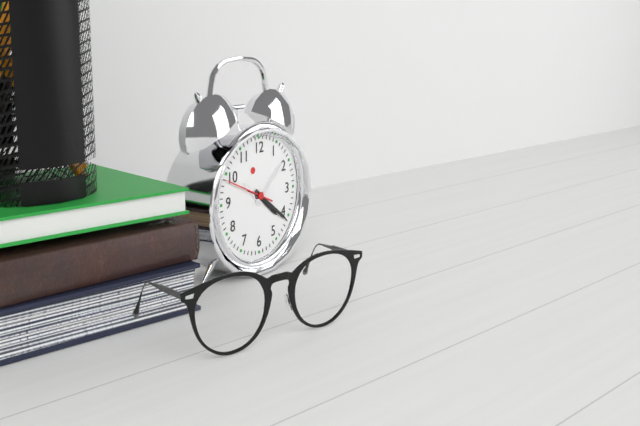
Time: {"hour": 4, "minute": 21}
